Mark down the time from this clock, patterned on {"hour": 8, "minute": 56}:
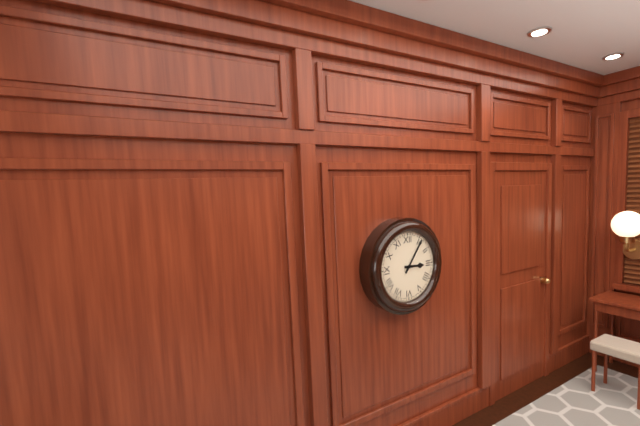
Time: {"hour": 3, "minute": 6}
